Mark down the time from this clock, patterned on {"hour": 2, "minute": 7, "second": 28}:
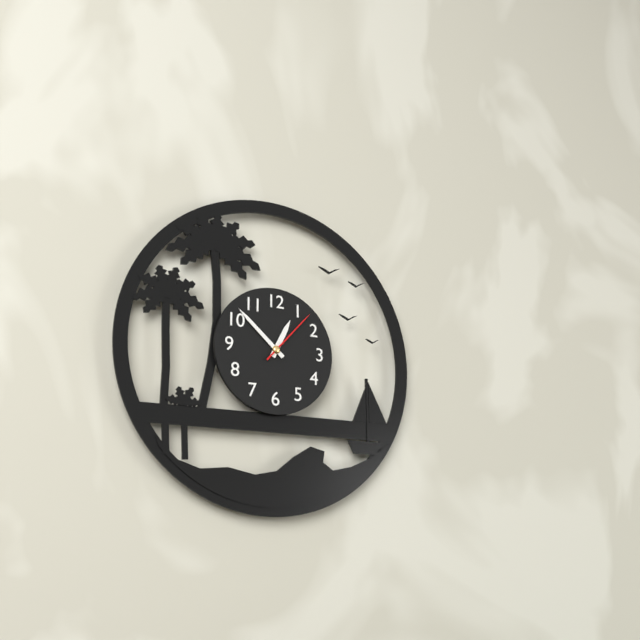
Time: {"hour": 12, "minute": 52, "second": 7}
